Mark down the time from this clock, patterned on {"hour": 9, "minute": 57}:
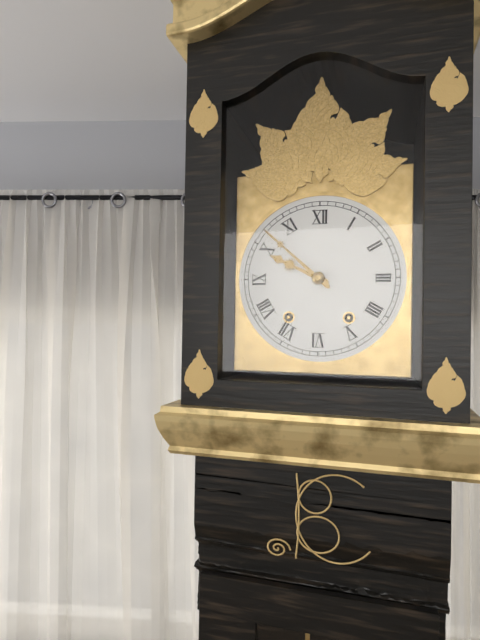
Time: {"hour": 9, "minute": 52}
